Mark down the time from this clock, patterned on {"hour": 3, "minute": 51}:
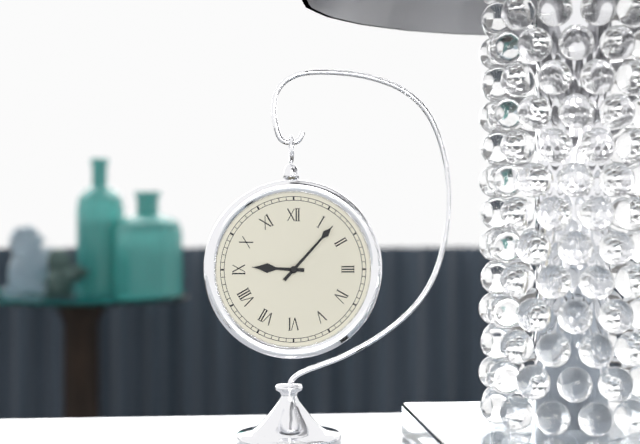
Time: {"hour": 9, "minute": 7}
